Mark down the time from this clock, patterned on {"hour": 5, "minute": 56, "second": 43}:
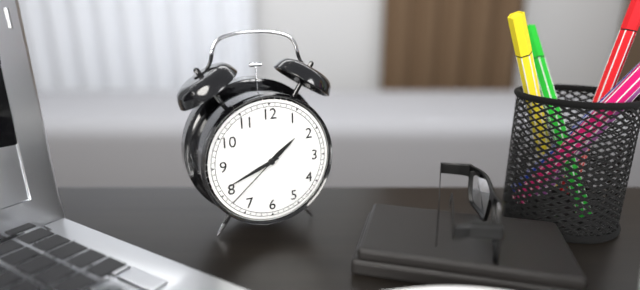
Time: {"hour": 1, "minute": 41, "second": 38}
